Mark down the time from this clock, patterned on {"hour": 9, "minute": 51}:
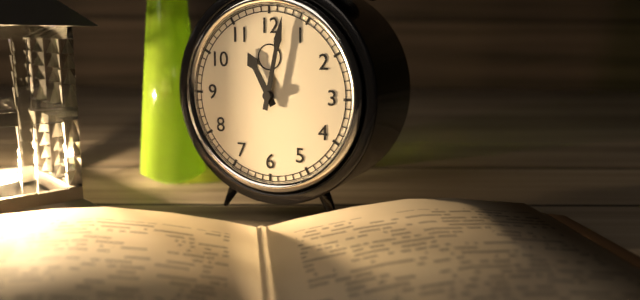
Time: {"hour": 11, "minute": 2}
